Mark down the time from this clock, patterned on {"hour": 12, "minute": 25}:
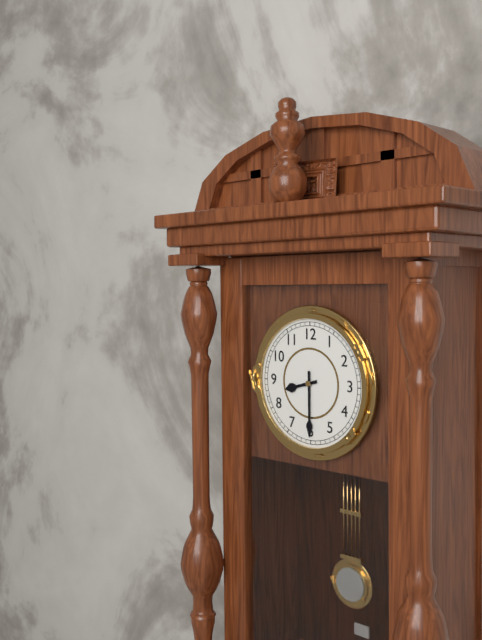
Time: {"hour": 8, "minute": 30}
